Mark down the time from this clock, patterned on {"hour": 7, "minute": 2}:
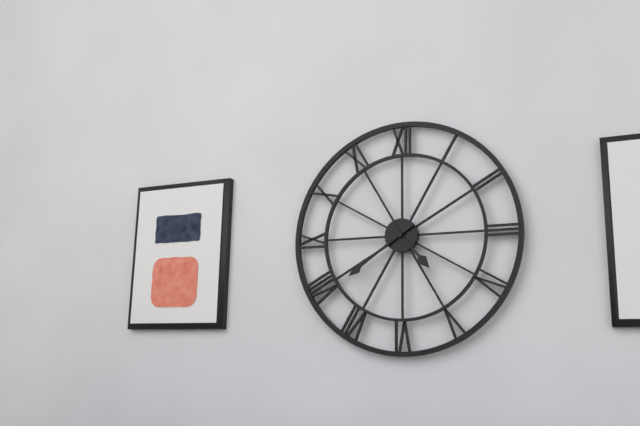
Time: {"hour": 4, "minute": 39}
